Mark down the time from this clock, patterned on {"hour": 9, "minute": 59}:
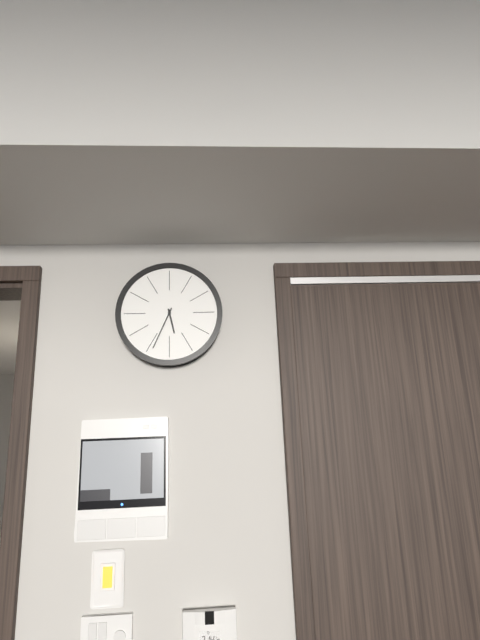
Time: {"hour": 5, "minute": 34}
